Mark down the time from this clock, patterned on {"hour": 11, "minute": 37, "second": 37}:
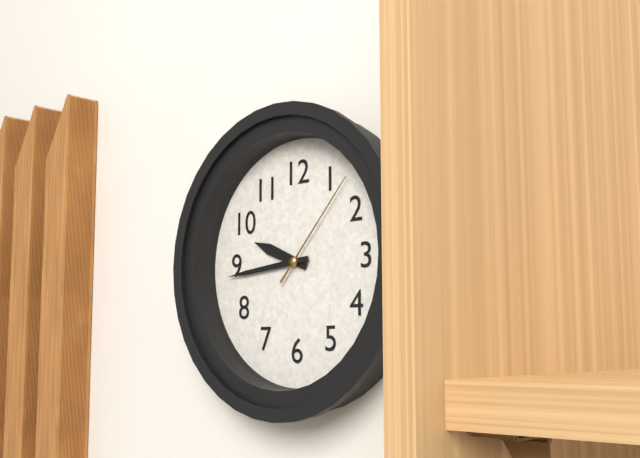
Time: {"hour": 9, "minute": 44, "second": 7}
